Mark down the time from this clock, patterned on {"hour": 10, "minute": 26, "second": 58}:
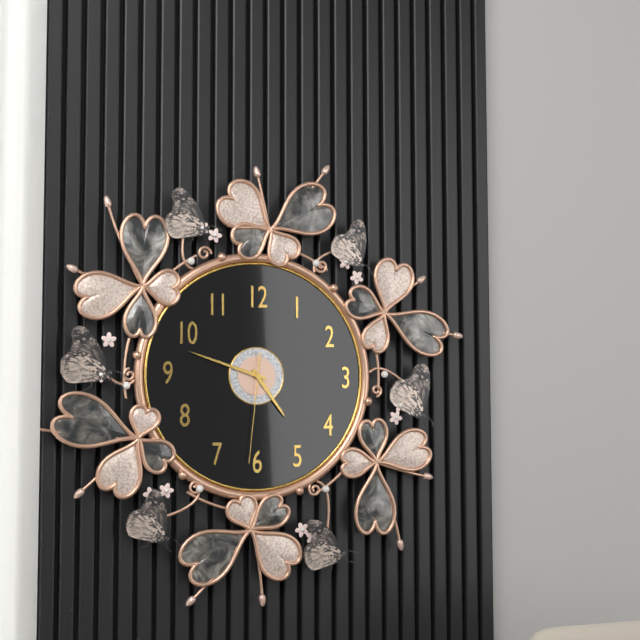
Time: {"hour": 4, "minute": 48, "second": 31}
